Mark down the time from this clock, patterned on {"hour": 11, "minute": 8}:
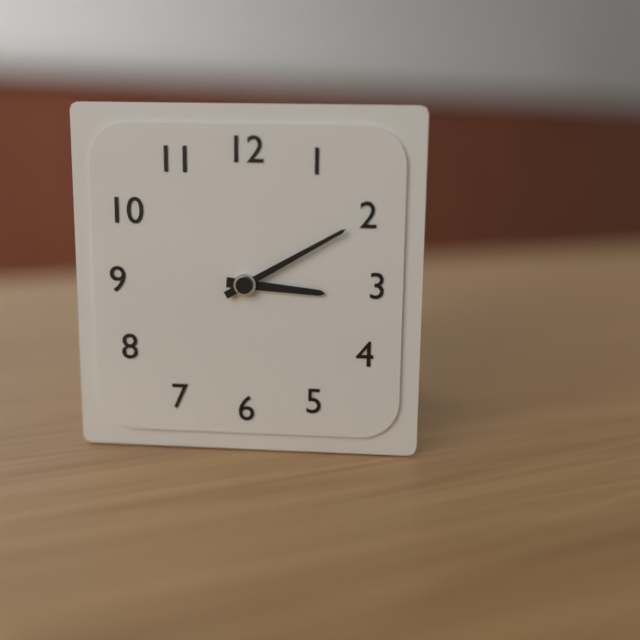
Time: {"hour": 3, "minute": 10}
